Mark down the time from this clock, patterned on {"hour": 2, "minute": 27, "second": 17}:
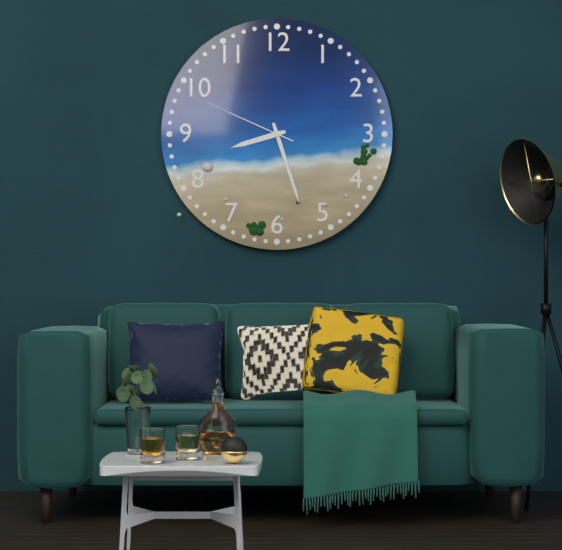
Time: {"hour": 8, "minute": 27, "second": 49}
